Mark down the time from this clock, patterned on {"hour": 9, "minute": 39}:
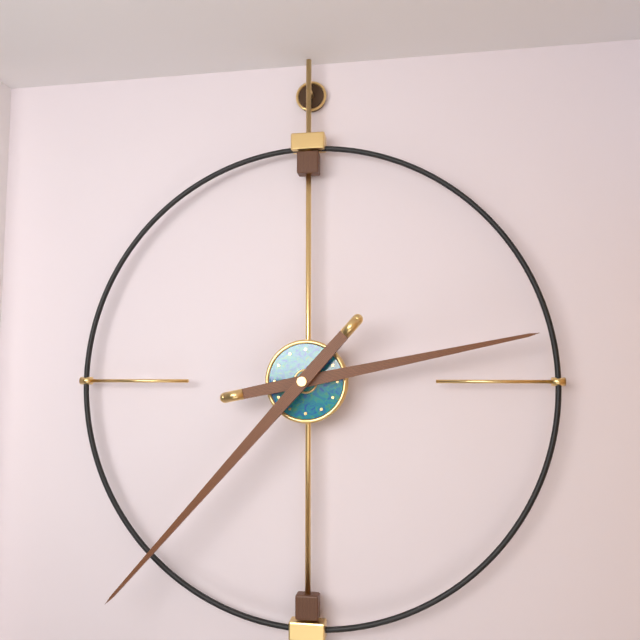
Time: {"hour": 2, "minute": 37}
